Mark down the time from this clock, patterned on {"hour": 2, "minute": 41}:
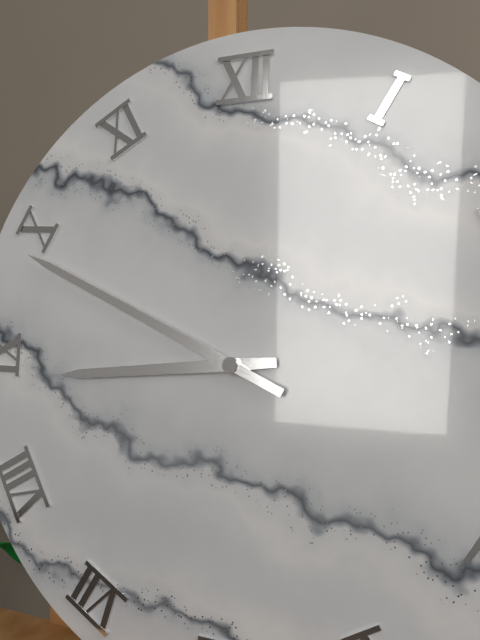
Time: {"hour": 8, "minute": 49}
